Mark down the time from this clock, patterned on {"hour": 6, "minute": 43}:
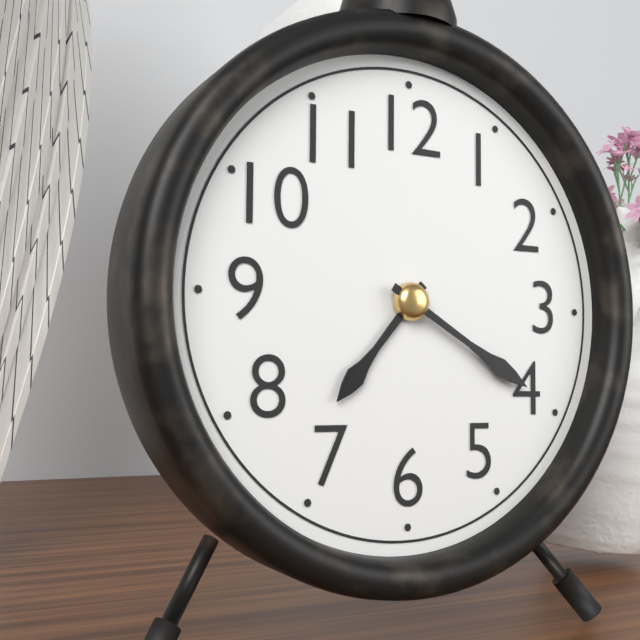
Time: {"hour": 7, "minute": 20}
